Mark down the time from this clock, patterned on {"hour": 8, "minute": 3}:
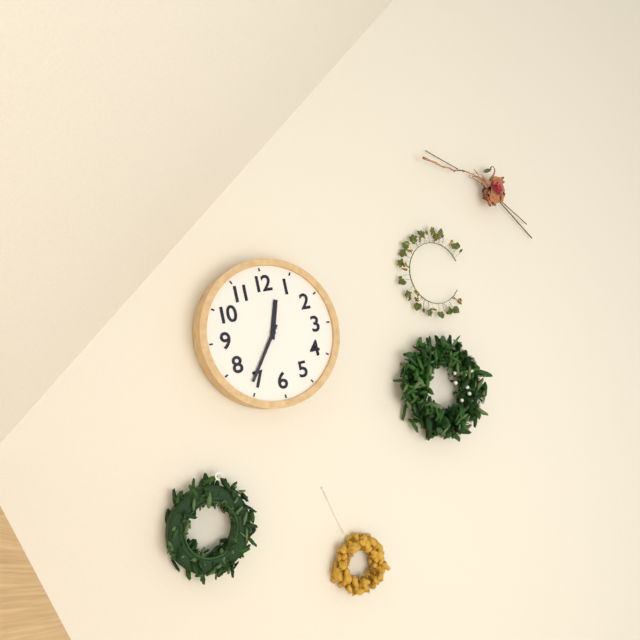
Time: {"hour": 12, "minute": 36}
